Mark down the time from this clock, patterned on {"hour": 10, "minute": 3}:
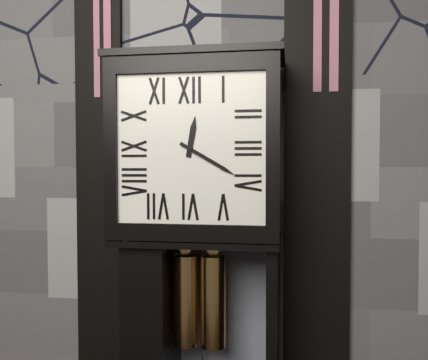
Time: {"hour": 12, "minute": 20}
